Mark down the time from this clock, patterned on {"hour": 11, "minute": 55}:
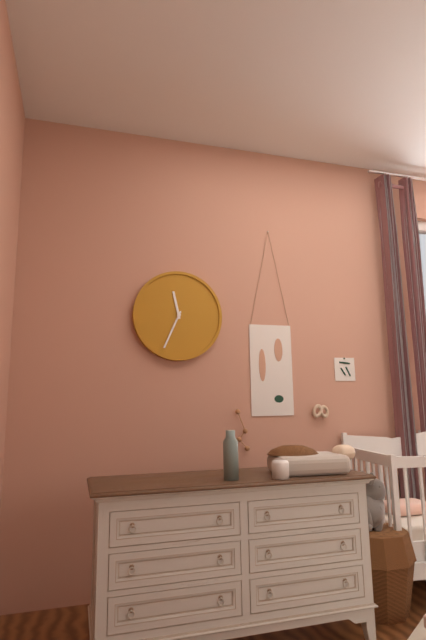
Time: {"hour": 11, "minute": 34}
